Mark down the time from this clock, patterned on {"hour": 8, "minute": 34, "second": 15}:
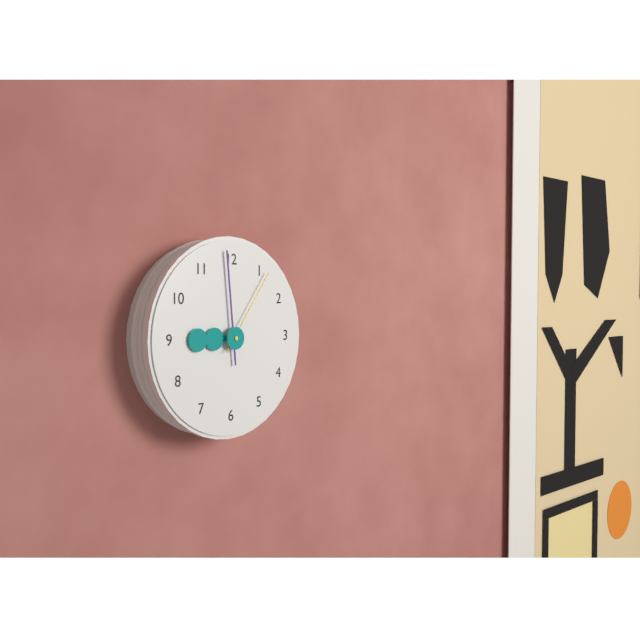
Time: {"hour": 8, "minute": 59, "second": 6}
